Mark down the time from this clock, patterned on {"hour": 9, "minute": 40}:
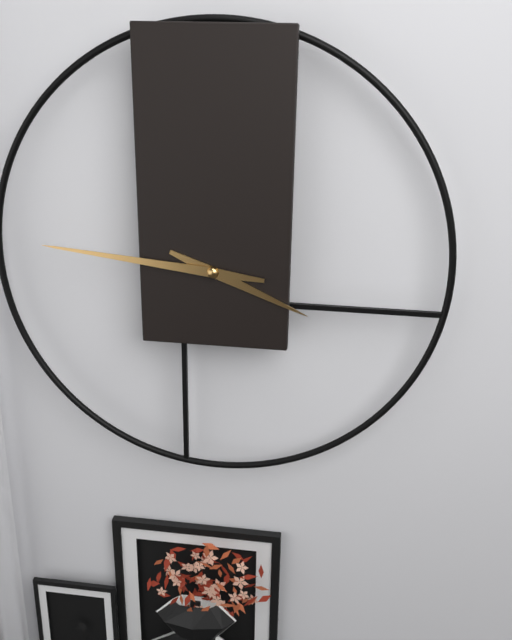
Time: {"hour": 3, "minute": 46}
